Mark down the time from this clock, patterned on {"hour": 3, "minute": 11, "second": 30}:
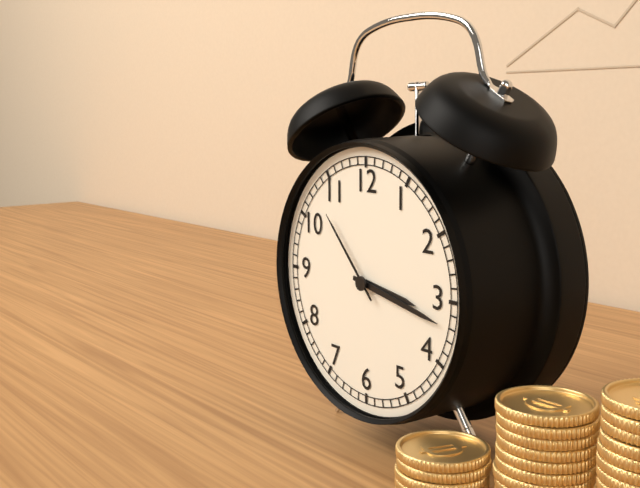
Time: {"hour": 3, "minute": 17, "second": 53}
